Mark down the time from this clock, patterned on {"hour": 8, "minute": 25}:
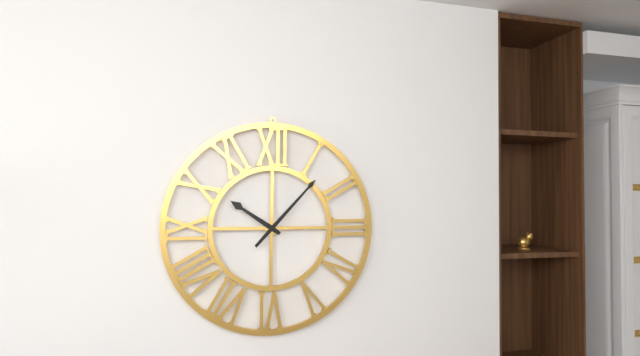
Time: {"hour": 10, "minute": 7}
